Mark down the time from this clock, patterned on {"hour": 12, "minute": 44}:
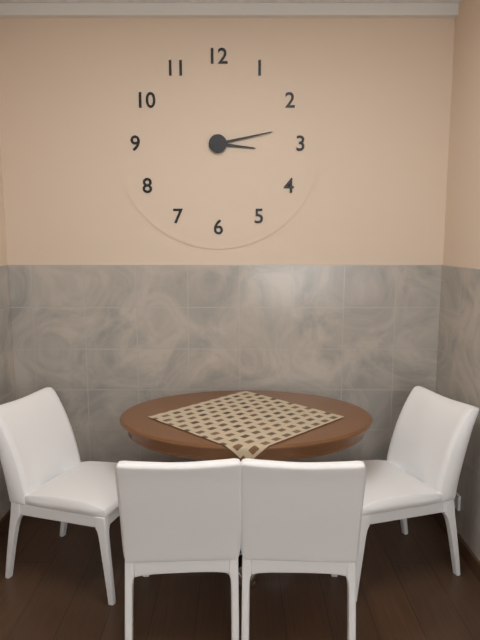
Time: {"hour": 3, "minute": 13}
